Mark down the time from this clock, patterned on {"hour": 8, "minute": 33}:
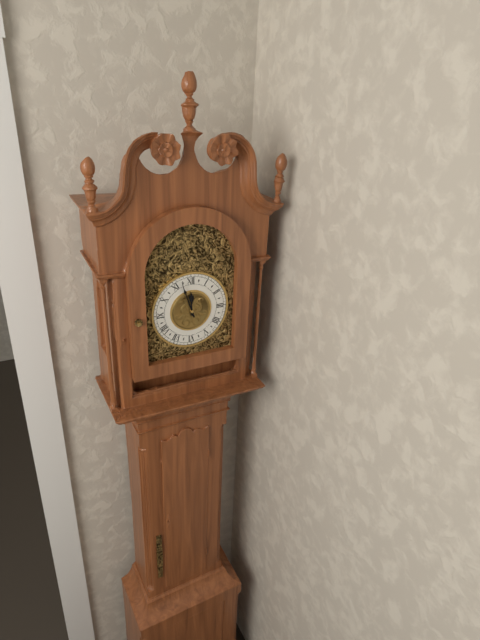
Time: {"hour": 11, "minute": 57}
